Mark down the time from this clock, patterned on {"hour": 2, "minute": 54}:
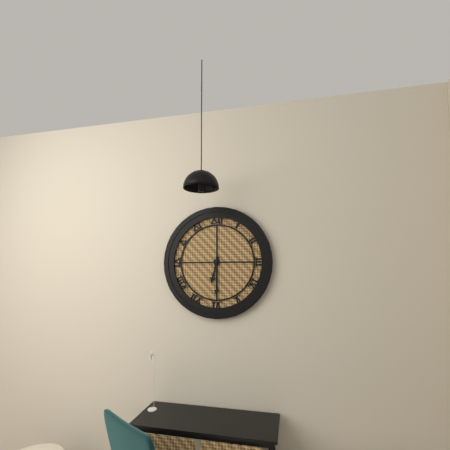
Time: {"hour": 6, "minute": 30}
